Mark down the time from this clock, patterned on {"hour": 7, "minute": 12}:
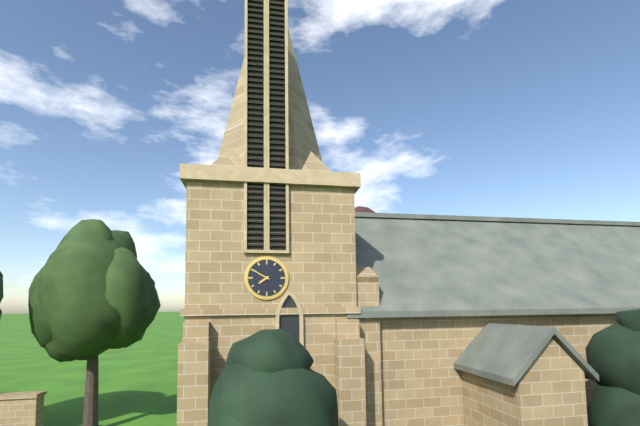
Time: {"hour": 7, "minute": 50}
